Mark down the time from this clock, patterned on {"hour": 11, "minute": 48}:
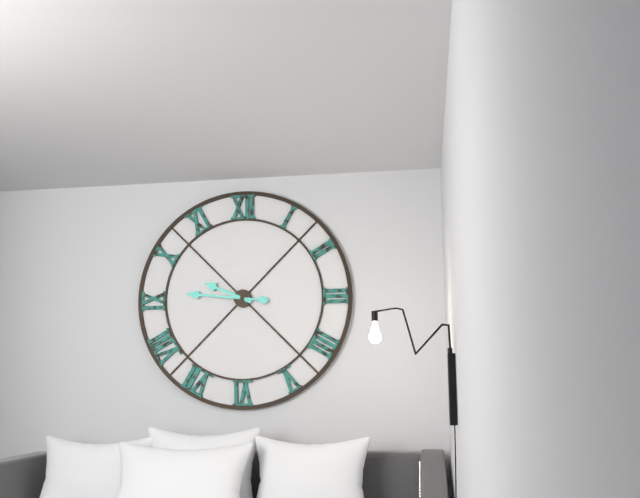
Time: {"hour": 9, "minute": 46}
